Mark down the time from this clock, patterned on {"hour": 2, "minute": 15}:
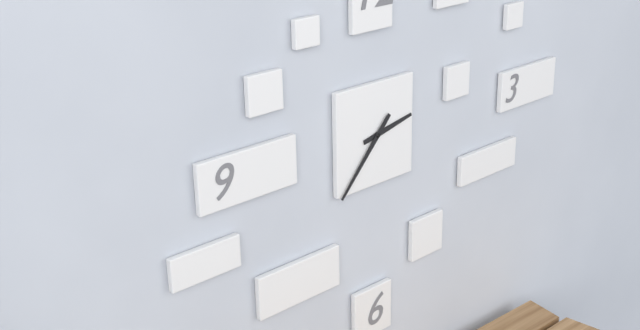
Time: {"hour": 2, "minute": 37}
